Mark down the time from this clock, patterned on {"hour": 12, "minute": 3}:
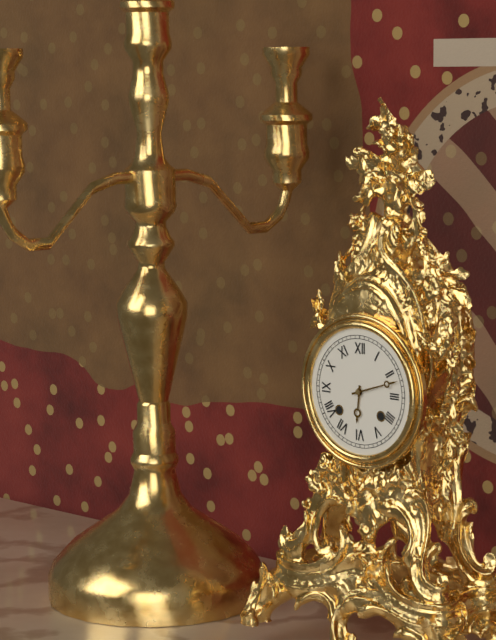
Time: {"hour": 6, "minute": 12}
